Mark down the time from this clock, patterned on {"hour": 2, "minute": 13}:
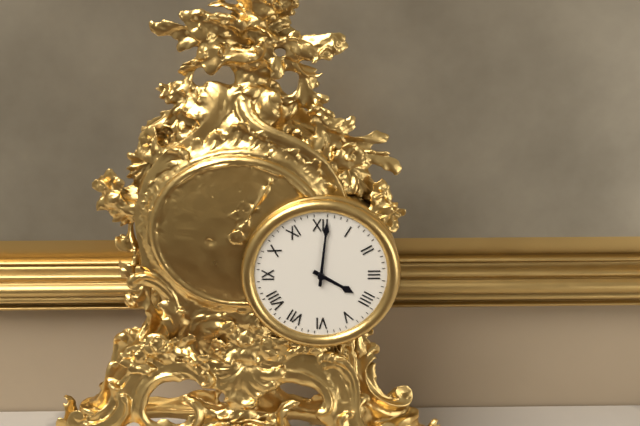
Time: {"hour": 4, "minute": 1}
